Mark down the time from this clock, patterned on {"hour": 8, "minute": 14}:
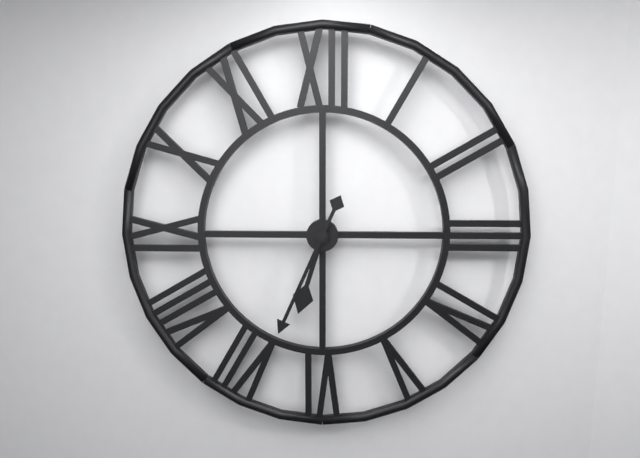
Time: {"hour": 6, "minute": 34}
